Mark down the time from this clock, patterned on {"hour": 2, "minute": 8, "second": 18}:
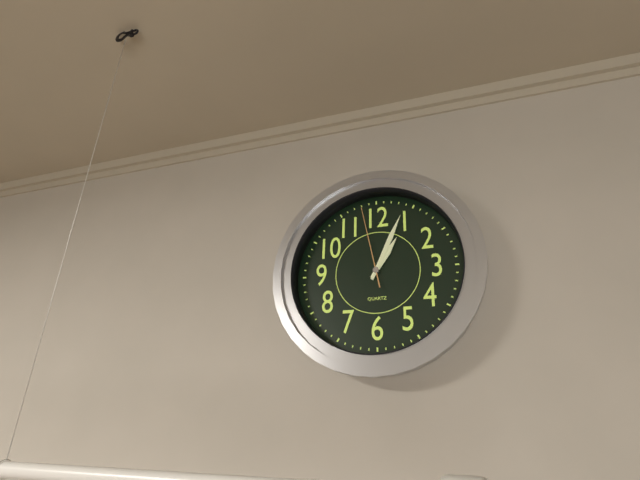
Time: {"hour": 1, "minute": 4, "second": 58}
